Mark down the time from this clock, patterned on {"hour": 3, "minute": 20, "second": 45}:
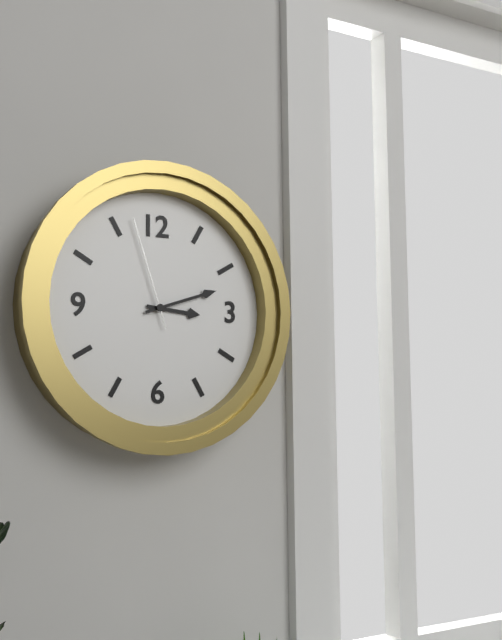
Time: {"hour": 3, "minute": 12, "second": 57}
